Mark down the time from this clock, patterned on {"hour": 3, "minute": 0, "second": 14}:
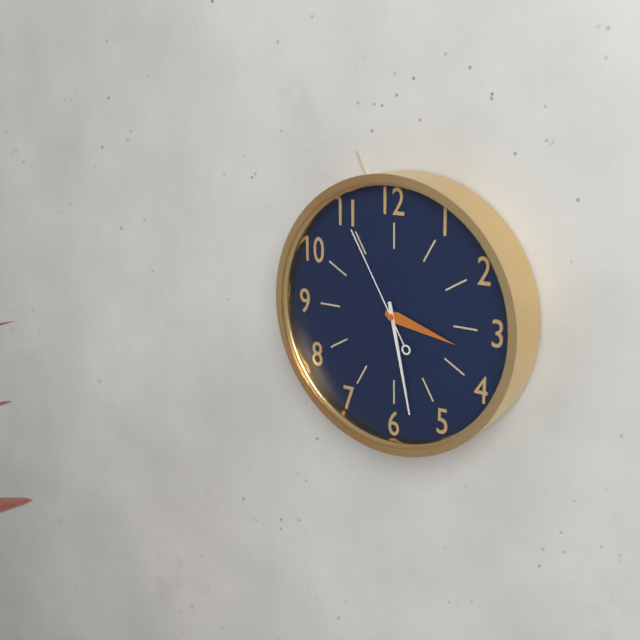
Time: {"hour": 3, "minute": 28, "second": 55}
